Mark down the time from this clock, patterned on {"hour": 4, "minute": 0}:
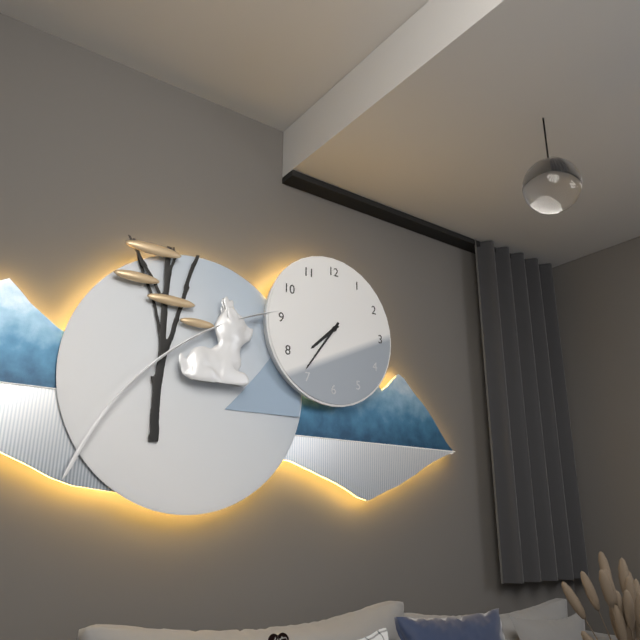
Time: {"hour": 7, "minute": 36}
